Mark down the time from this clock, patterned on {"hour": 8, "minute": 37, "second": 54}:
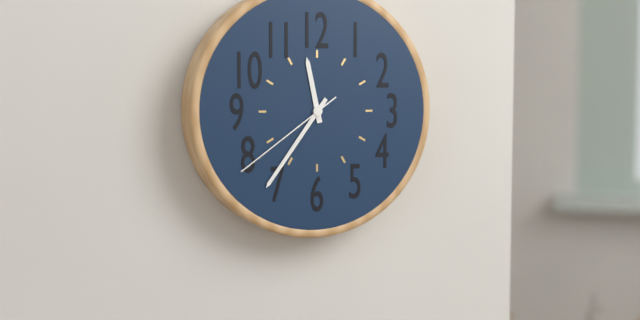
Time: {"hour": 11, "minute": 36, "second": 39}
